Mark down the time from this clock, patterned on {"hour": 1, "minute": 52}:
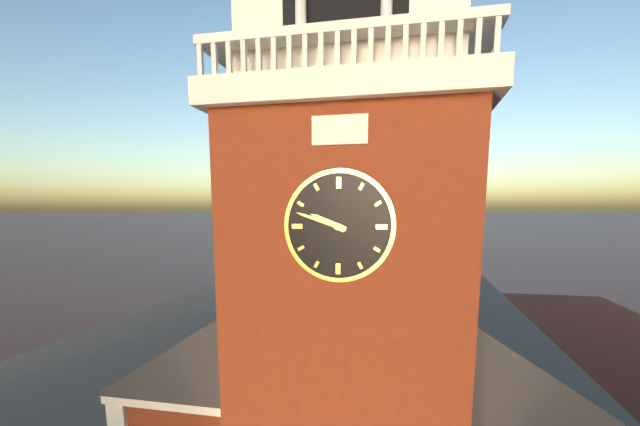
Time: {"hour": 9, "minute": 48}
